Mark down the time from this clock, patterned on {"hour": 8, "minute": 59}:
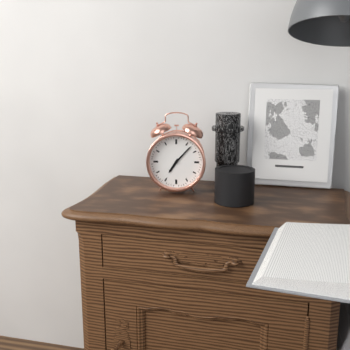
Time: {"hour": 7, "minute": 7}
